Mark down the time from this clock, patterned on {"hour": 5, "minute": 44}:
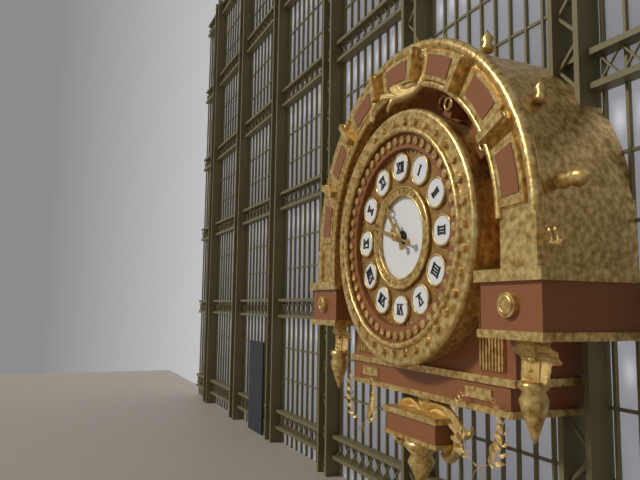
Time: {"hour": 10, "minute": 48}
